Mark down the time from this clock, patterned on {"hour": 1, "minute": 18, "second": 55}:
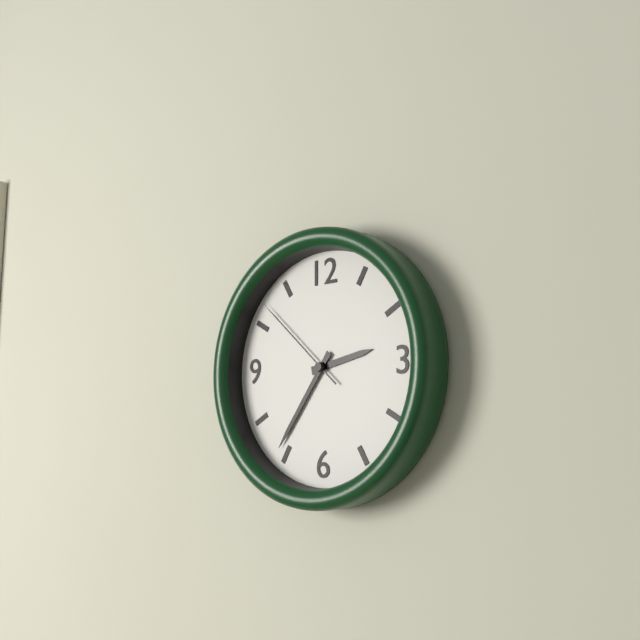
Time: {"hour": 2, "minute": 36, "second": 52}
